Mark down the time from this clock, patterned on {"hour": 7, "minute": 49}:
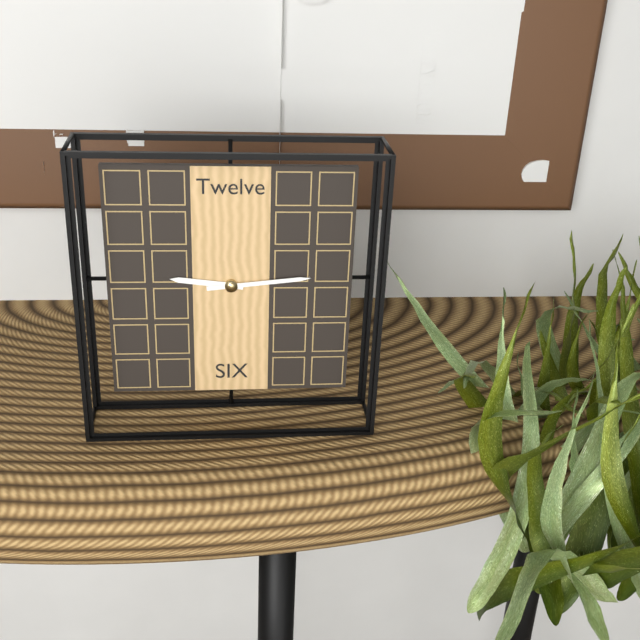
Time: {"hour": 9, "minute": 14}
